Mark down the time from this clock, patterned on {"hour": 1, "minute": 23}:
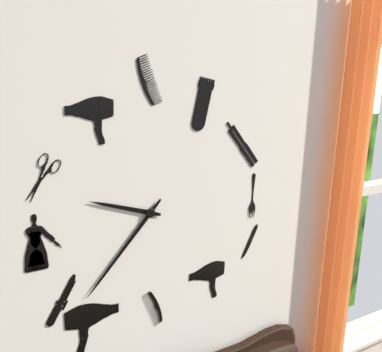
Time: {"hour": 9, "minute": 37}
